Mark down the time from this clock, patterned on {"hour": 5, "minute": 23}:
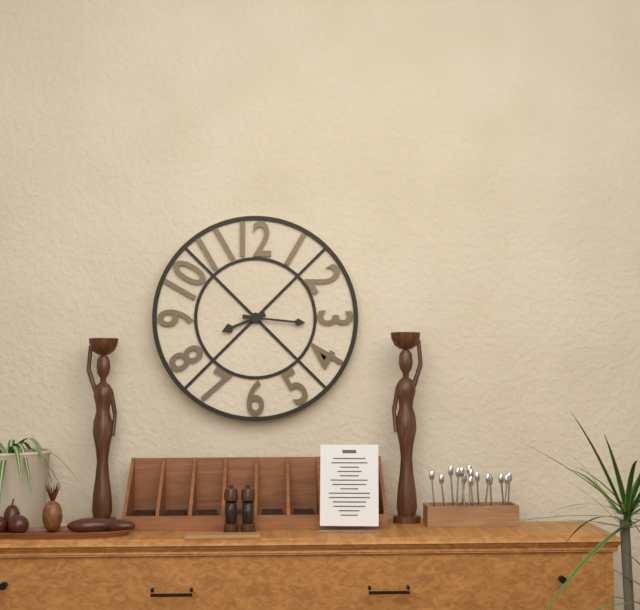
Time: {"hour": 8, "minute": 16}
